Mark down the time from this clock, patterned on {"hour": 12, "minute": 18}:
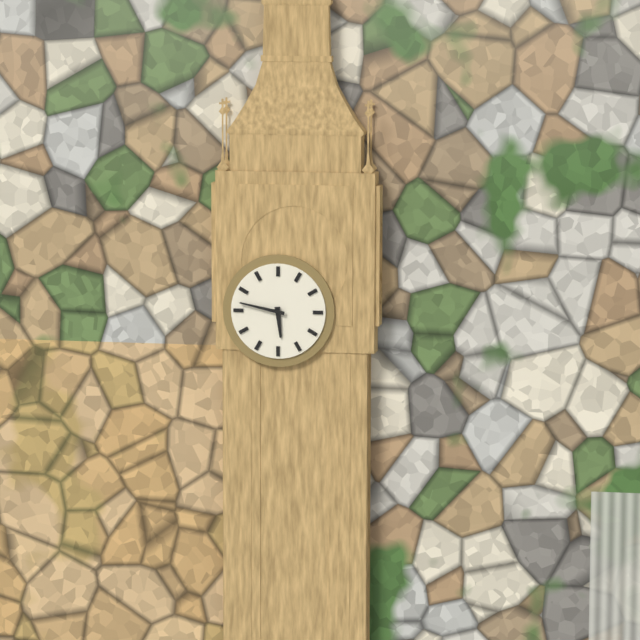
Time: {"hour": 5, "minute": 47}
